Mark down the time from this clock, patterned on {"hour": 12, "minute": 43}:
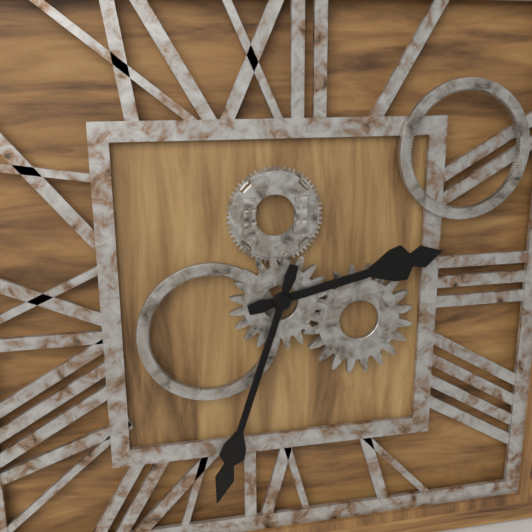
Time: {"hour": 2, "minute": 33}
